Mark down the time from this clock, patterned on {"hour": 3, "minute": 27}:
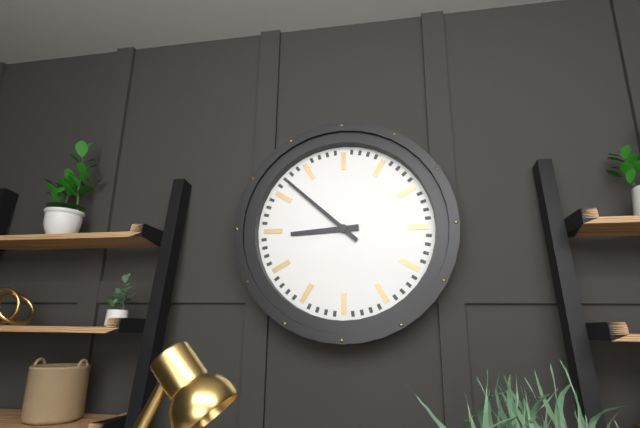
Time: {"hour": 8, "minute": 52}
